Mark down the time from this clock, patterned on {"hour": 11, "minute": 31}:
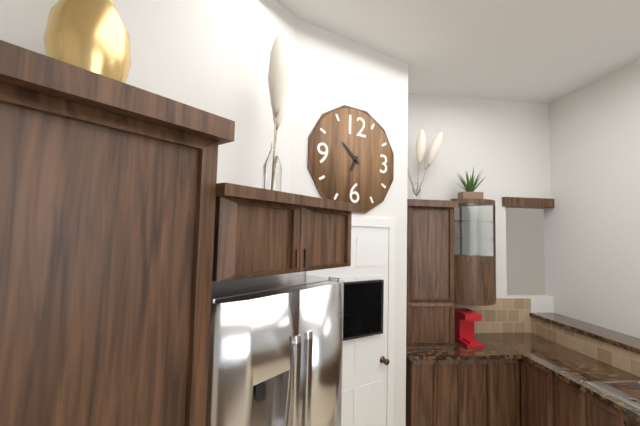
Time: {"hour": 6, "minute": 52}
